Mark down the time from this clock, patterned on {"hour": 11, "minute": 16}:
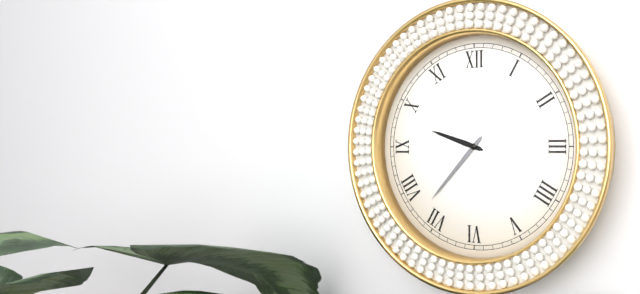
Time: {"hour": 9, "minute": 37}
